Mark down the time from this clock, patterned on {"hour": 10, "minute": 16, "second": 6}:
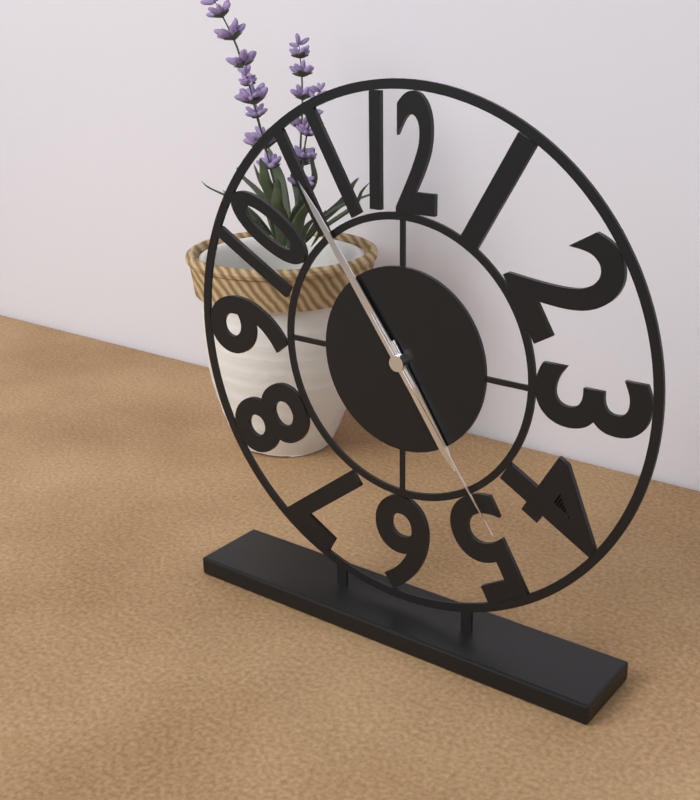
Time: {"hour": 4, "minute": 54, "second": 24}
